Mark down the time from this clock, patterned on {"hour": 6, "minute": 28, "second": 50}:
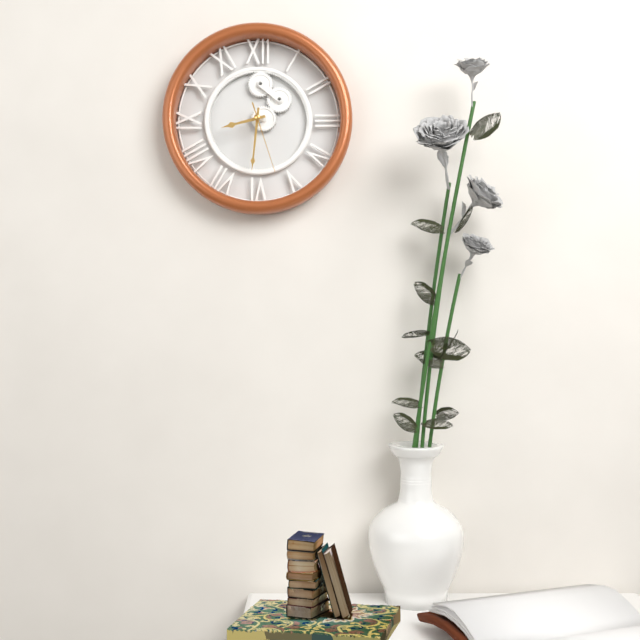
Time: {"hour": 8, "minute": 31, "second": 27}
